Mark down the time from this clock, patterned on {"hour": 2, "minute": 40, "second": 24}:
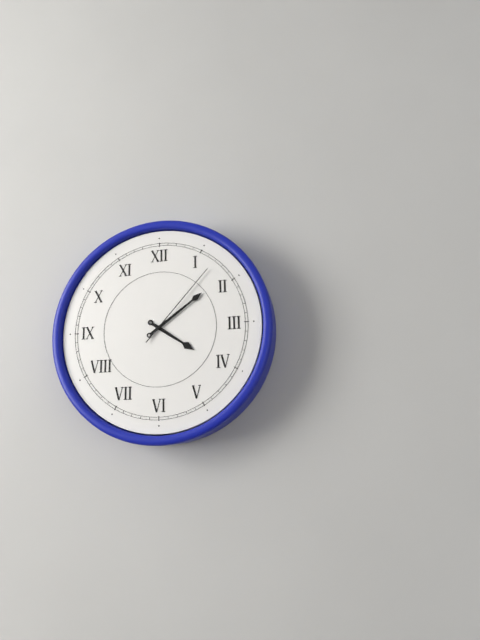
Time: {"hour": 4, "minute": 9, "second": 7}
